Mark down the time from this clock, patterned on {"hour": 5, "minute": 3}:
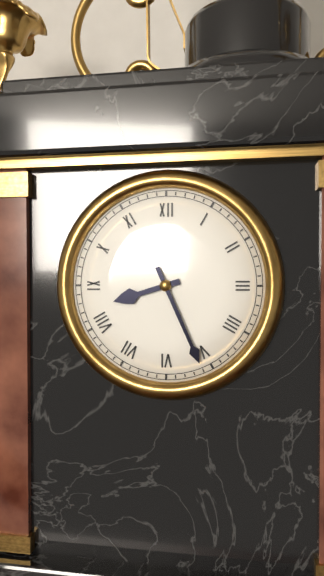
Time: {"hour": 8, "minute": 26}
